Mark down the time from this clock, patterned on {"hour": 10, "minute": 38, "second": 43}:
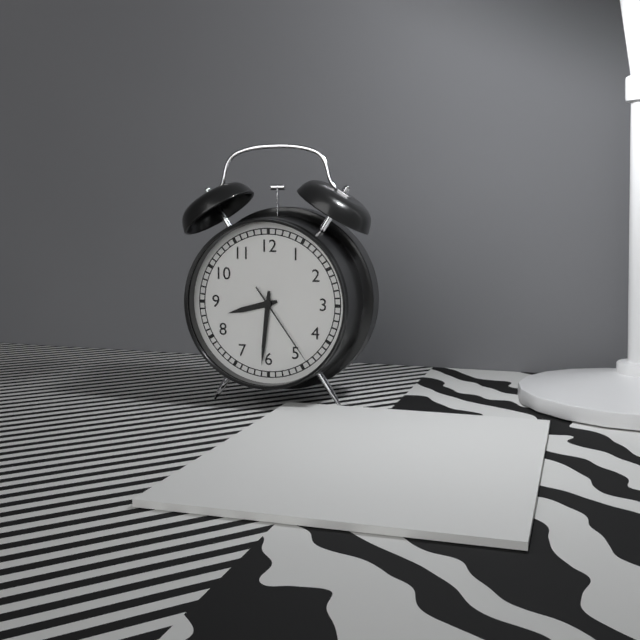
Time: {"hour": 8, "minute": 31, "second": 24}
